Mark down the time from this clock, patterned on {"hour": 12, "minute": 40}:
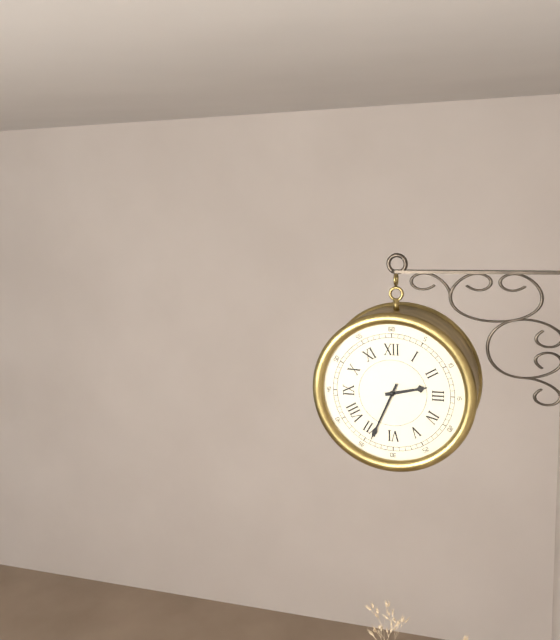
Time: {"hour": 2, "minute": 34}
